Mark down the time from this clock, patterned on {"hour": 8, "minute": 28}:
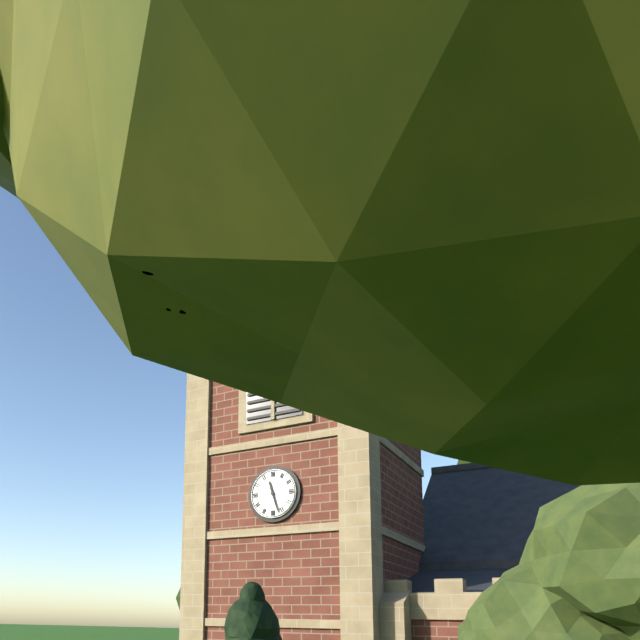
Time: {"hour": 11, "minute": 27}
